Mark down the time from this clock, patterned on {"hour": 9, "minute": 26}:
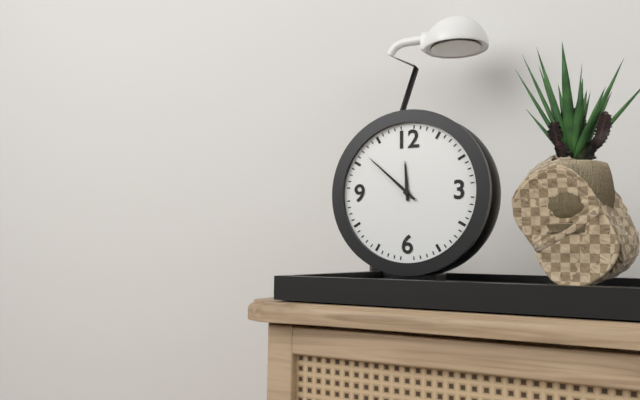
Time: {"hour": 11, "minute": 52}
